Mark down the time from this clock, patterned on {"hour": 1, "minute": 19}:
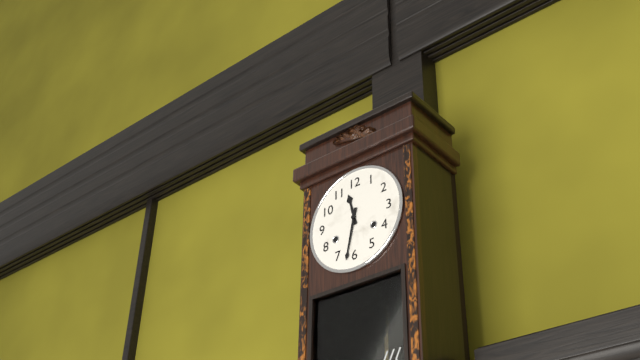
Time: {"hour": 11, "minute": 32}
